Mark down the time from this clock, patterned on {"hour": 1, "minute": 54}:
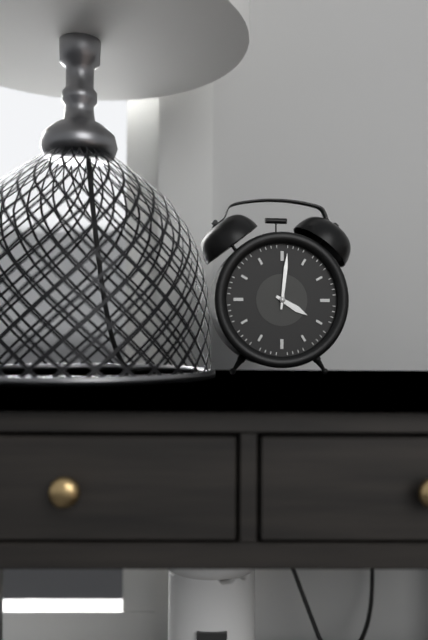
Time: {"hour": 4, "minute": 1}
